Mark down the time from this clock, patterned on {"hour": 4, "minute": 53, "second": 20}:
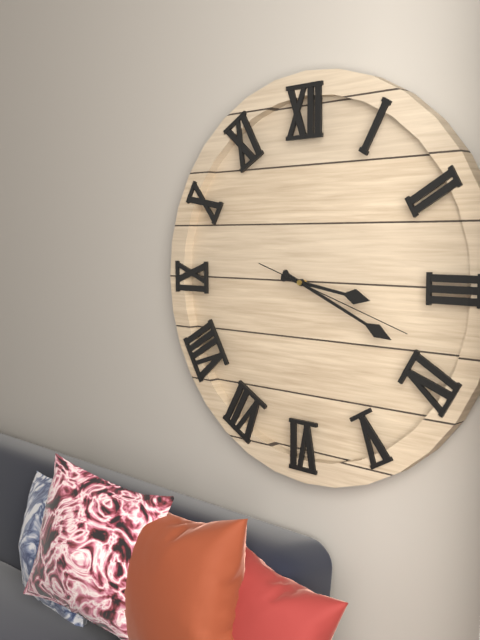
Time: {"hour": 3, "minute": 19, "second": 18}
